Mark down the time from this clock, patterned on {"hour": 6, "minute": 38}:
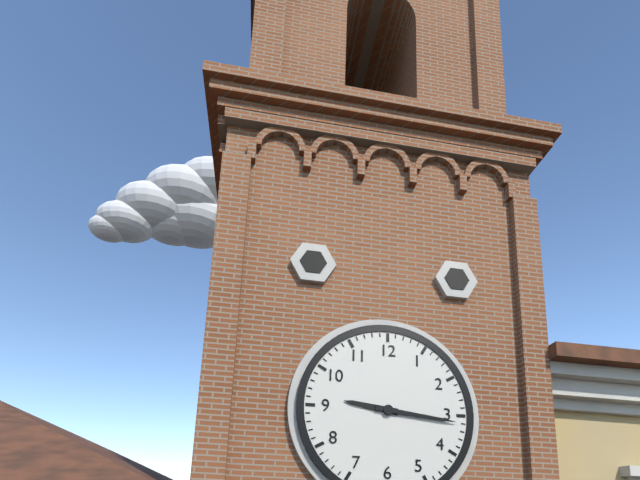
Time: {"hour": 9, "minute": 16}
